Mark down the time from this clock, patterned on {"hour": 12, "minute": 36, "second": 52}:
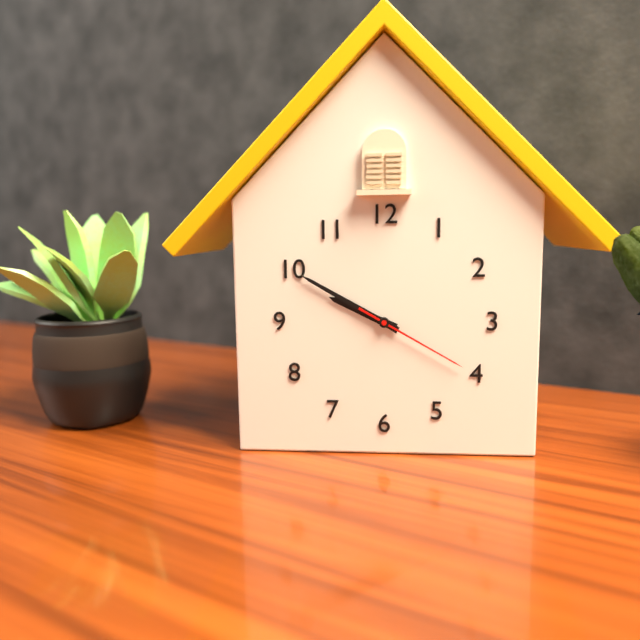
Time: {"hour": 9, "minute": 50, "second": 20}
